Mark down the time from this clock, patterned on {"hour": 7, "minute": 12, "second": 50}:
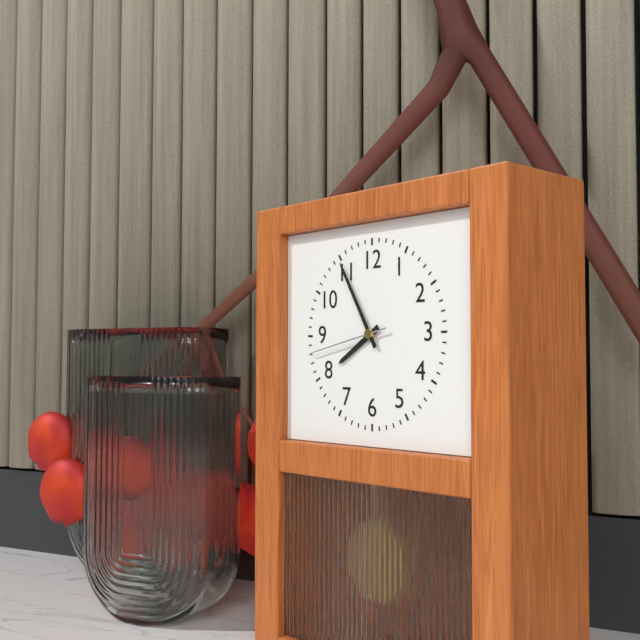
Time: {"hour": 7, "minute": 55, "second": 43}
